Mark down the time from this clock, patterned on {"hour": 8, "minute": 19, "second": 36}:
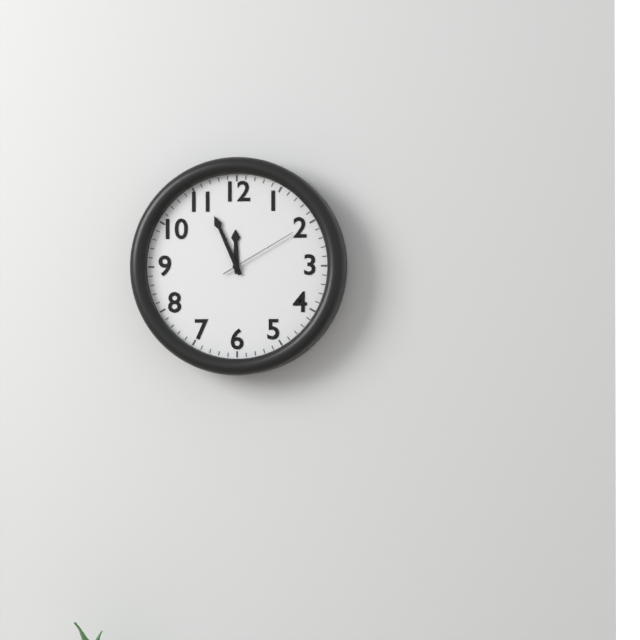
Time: {"hour": 11, "minute": 56, "second": 10}
